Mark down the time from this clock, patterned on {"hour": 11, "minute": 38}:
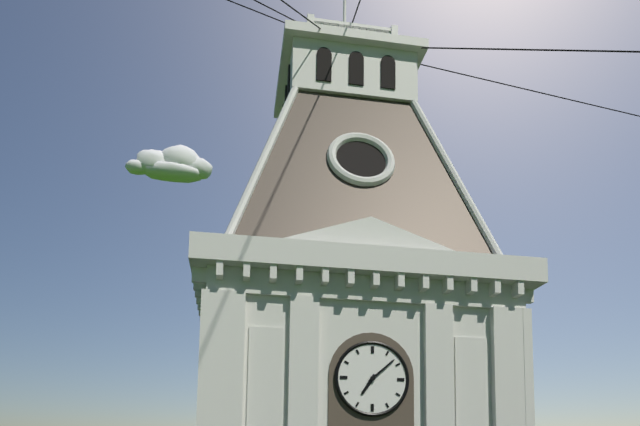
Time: {"hour": 7, "minute": 8}
